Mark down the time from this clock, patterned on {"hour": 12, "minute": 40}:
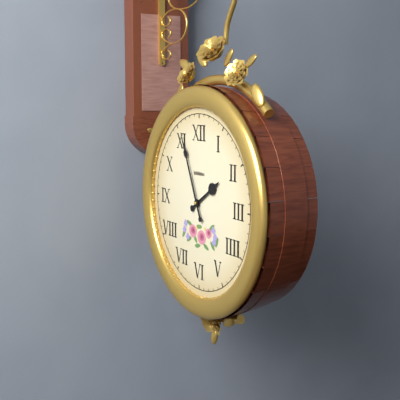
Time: {"hour": 1, "minute": 56}
